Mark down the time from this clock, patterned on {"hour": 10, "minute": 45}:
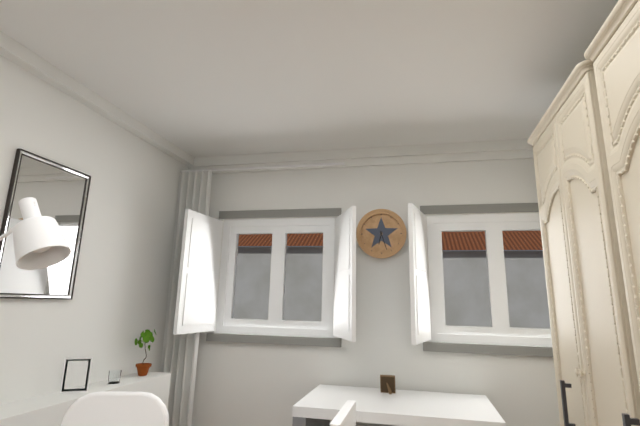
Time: {"hour": 6, "minute": 27}
